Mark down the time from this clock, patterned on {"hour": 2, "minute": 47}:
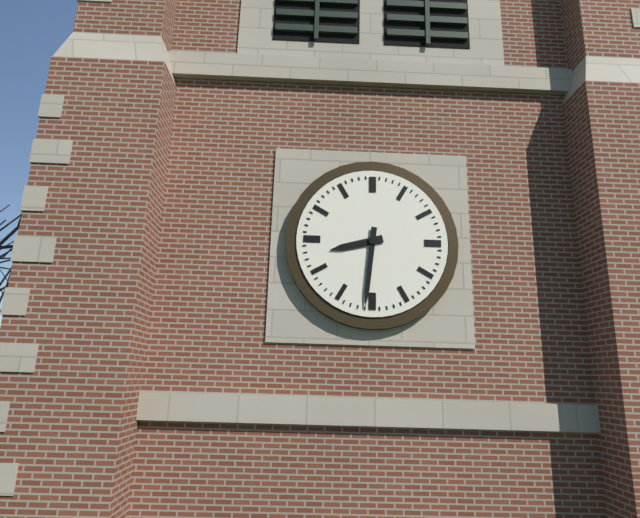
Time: {"hour": 8, "minute": 31}
